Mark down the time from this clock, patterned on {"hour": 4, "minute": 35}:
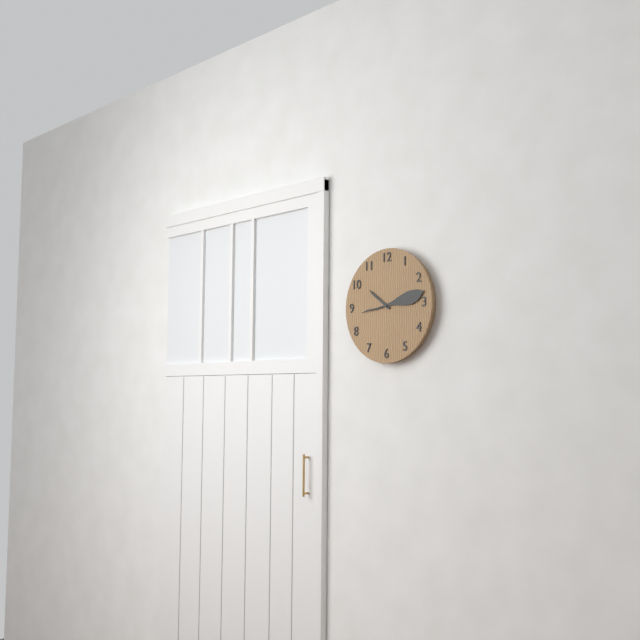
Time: {"hour": 10, "minute": 13}
